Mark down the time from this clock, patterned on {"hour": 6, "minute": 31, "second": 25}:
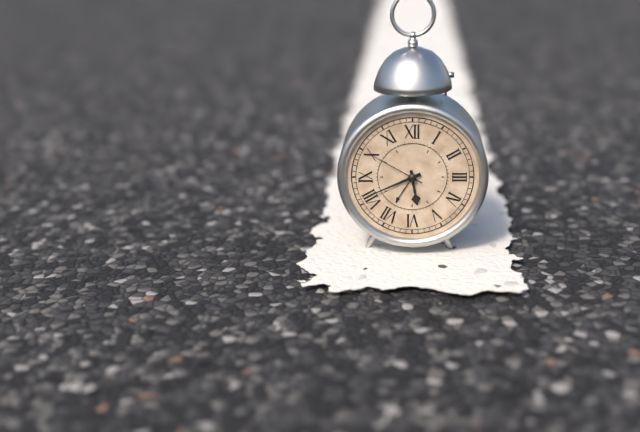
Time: {"hour": 5, "minute": 41, "second": 50}
